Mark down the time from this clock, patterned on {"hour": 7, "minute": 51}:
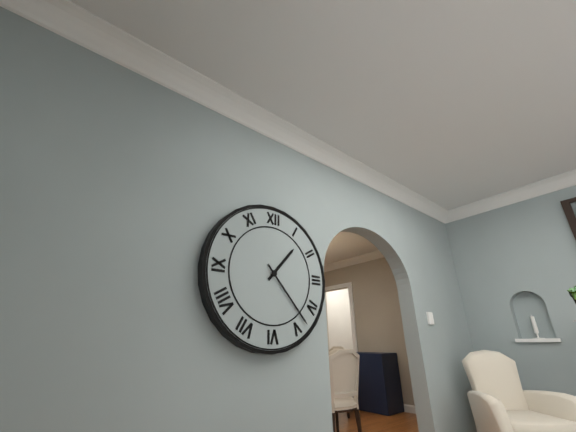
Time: {"hour": 1, "minute": 23}
